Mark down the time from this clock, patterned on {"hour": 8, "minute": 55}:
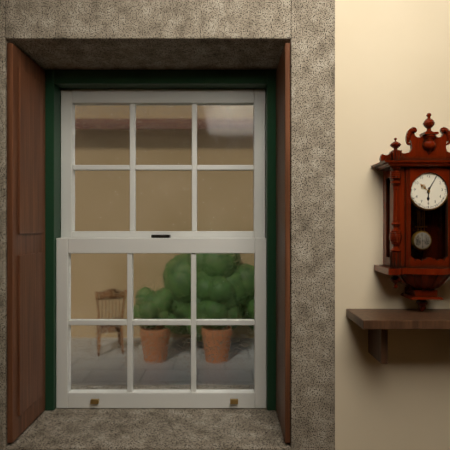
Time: {"hour": 6, "minute": 5}
